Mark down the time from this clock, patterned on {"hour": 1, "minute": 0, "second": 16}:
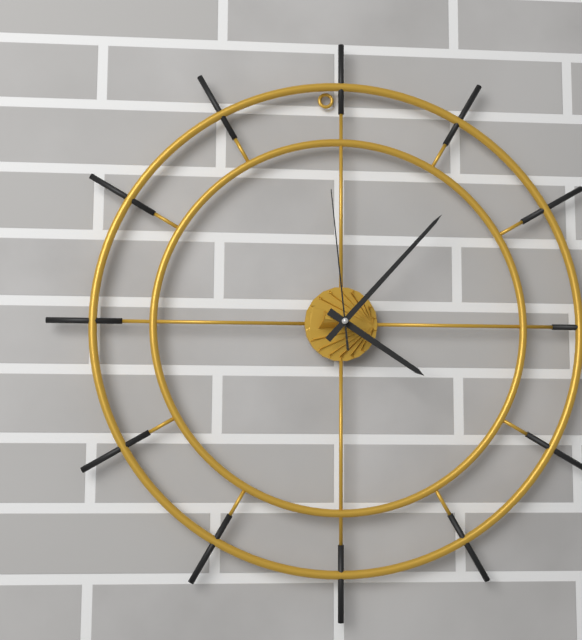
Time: {"hour": 4, "minute": 7, "second": 59}
